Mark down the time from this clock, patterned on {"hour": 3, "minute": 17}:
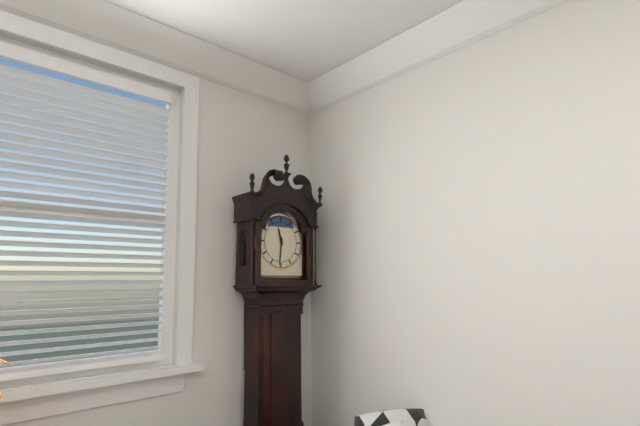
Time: {"hour": 11, "minute": 31}
